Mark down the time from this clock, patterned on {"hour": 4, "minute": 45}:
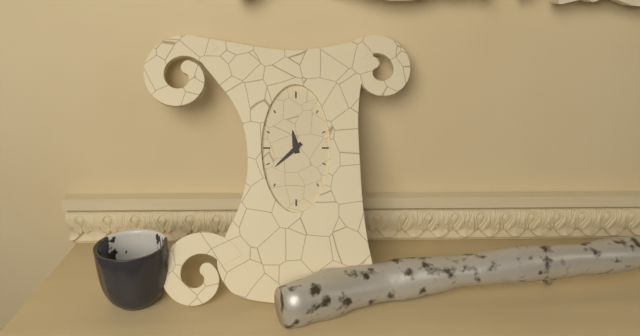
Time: {"hour": 11, "minute": 38}
